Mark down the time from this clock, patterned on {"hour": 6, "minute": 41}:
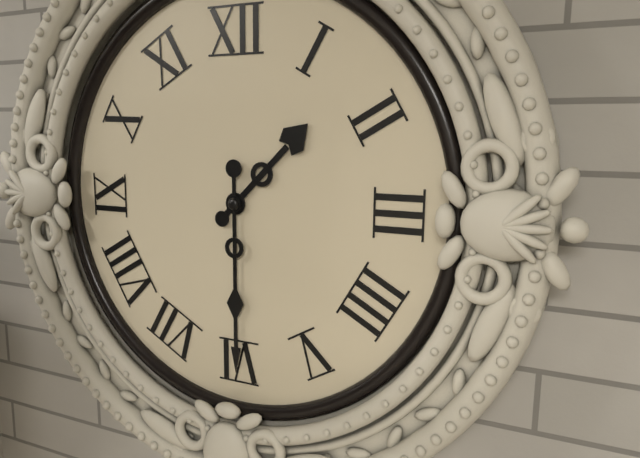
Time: {"hour": 1, "minute": 30}
